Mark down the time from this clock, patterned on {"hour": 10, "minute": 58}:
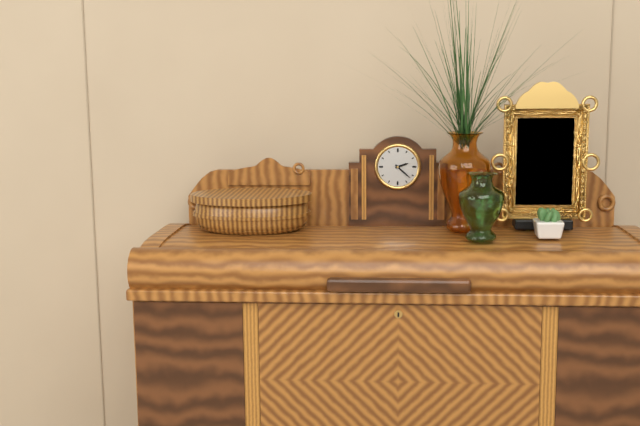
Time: {"hour": 2, "minute": 22}
